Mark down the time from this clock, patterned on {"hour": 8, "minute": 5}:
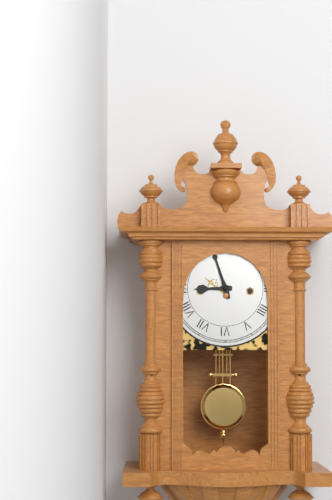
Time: {"hour": 8, "minute": 57}
